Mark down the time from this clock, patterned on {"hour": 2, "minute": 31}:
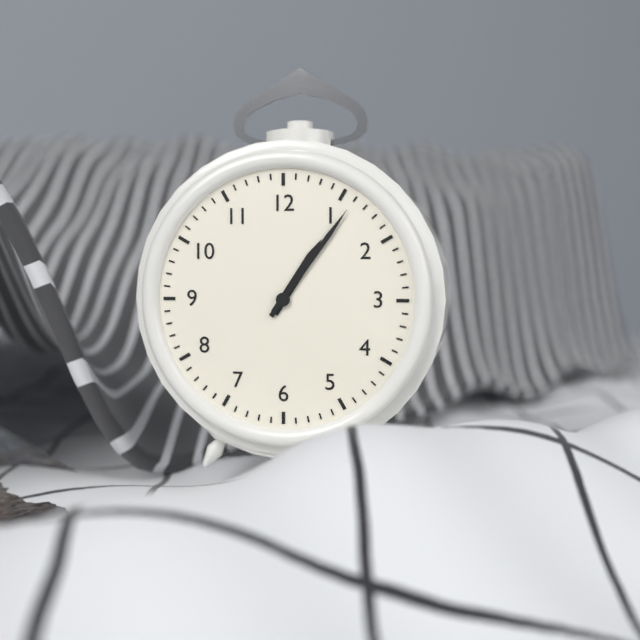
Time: {"hour": 1, "minute": 6}
